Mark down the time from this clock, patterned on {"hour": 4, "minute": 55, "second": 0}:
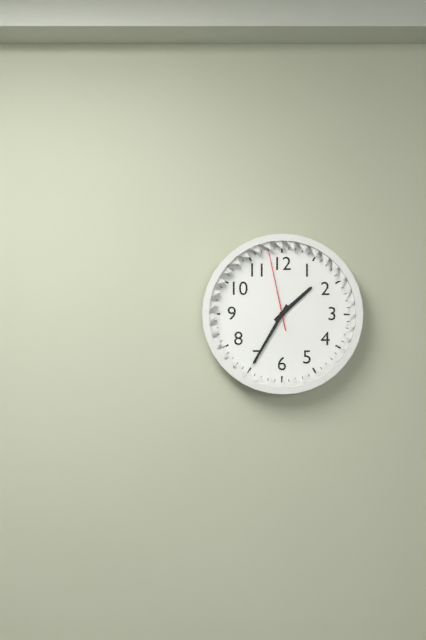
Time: {"hour": 1, "minute": 35, "second": 58}
